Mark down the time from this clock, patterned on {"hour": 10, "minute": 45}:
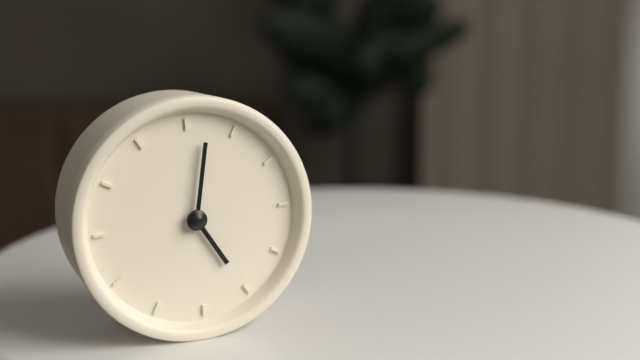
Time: {"hour": 5, "minute": 2}
